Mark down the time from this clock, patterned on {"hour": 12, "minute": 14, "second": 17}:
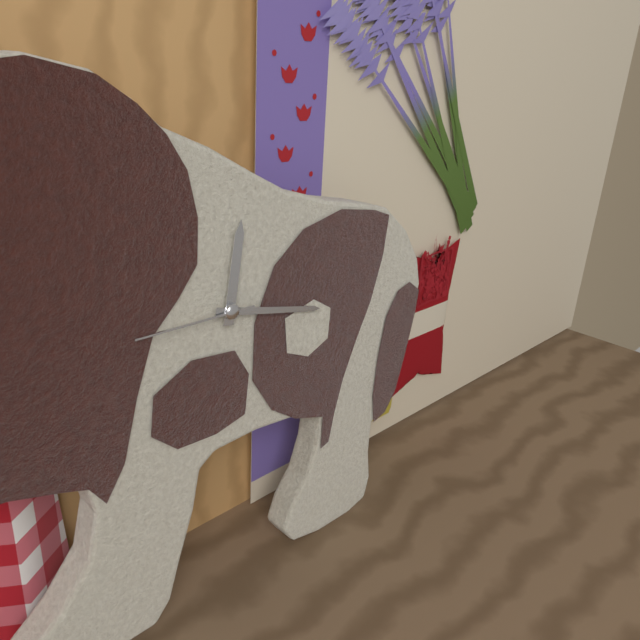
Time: {"hour": 12, "minute": 17, "second": 45}
